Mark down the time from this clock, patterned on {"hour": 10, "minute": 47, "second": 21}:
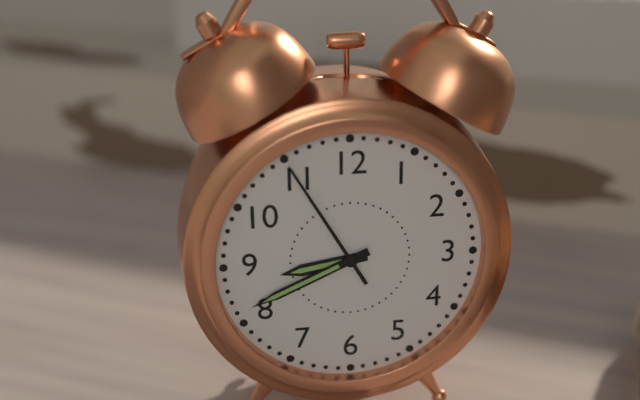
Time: {"hour": 8, "minute": 41, "second": 55}
